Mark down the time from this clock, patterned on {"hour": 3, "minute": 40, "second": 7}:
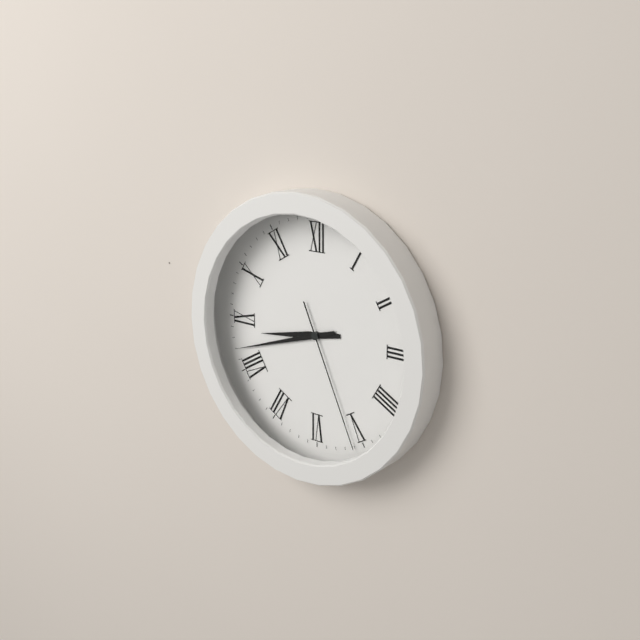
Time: {"hour": 8, "minute": 42, "second": 26}
